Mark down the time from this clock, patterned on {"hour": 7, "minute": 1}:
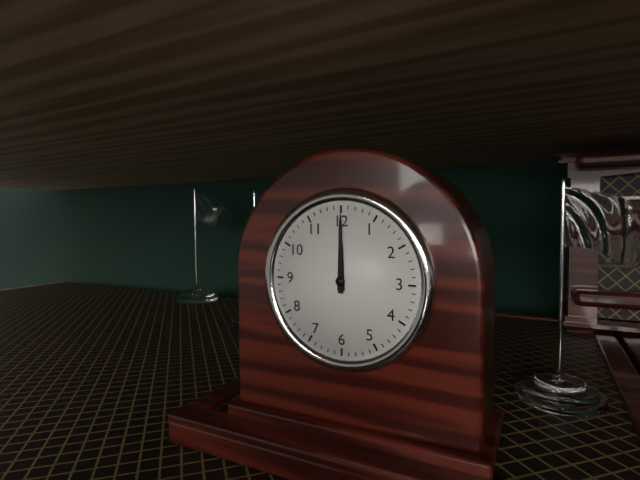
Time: {"hour": 12, "minute": 0}
